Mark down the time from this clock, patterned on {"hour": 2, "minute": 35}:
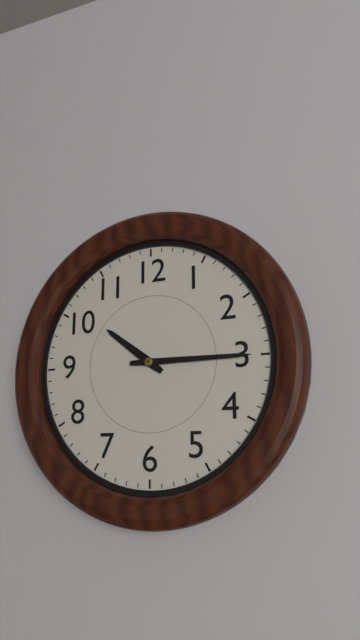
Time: {"hour": 10, "minute": 15}
